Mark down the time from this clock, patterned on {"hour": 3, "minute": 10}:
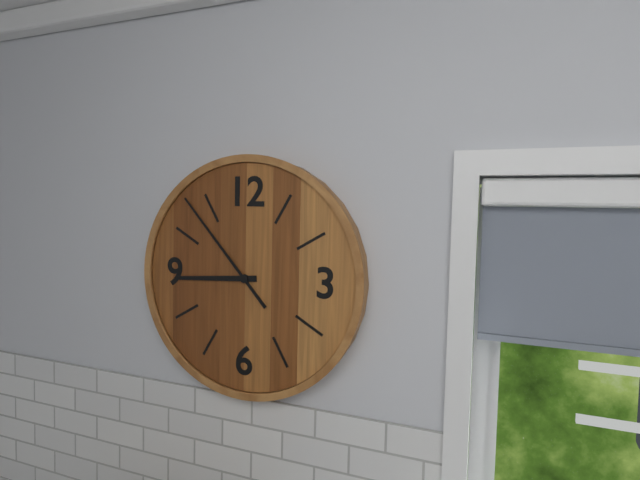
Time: {"hour": 8, "minute": 53}
